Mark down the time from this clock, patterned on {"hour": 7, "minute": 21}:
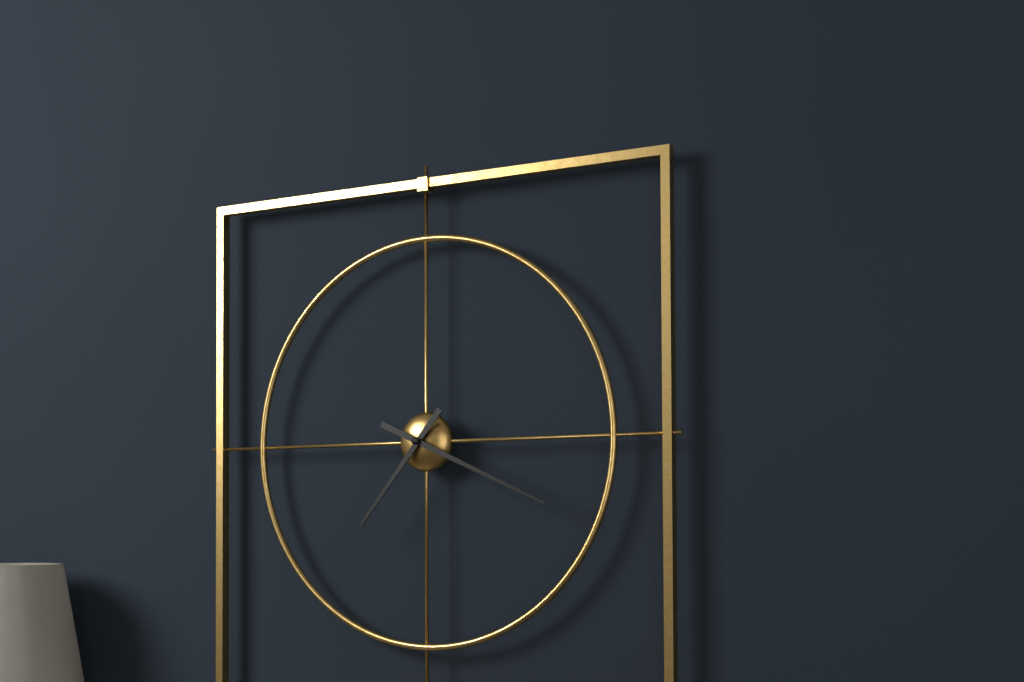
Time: {"hour": 7, "minute": 19}
